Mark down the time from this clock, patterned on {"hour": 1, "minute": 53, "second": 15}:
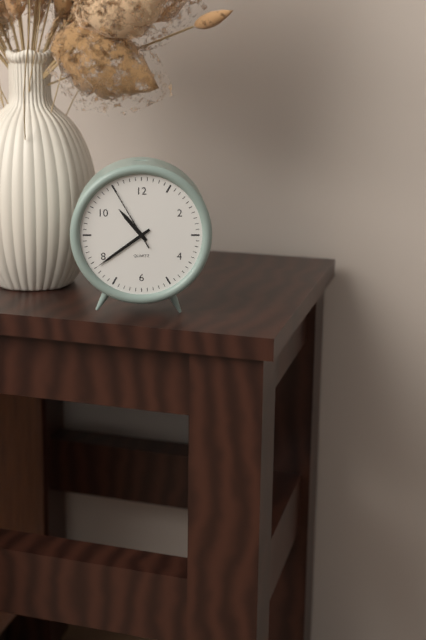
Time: {"hour": 10, "minute": 39, "second": 55}
